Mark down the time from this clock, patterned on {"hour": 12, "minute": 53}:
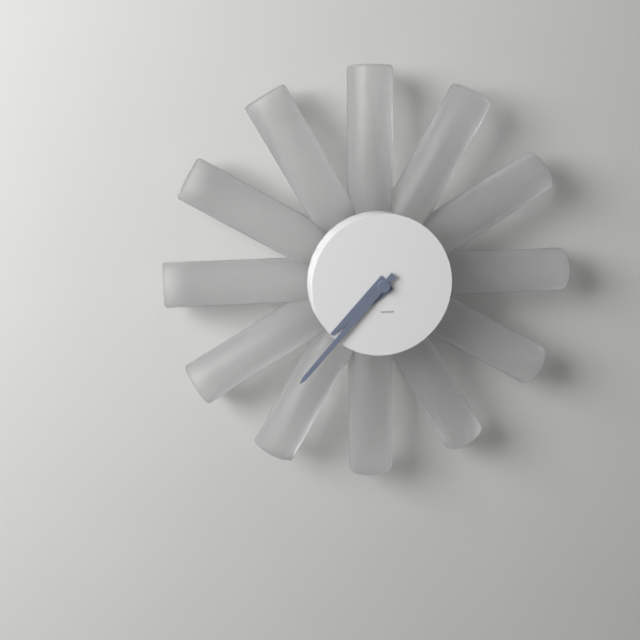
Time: {"hour": 7, "minute": 37}
